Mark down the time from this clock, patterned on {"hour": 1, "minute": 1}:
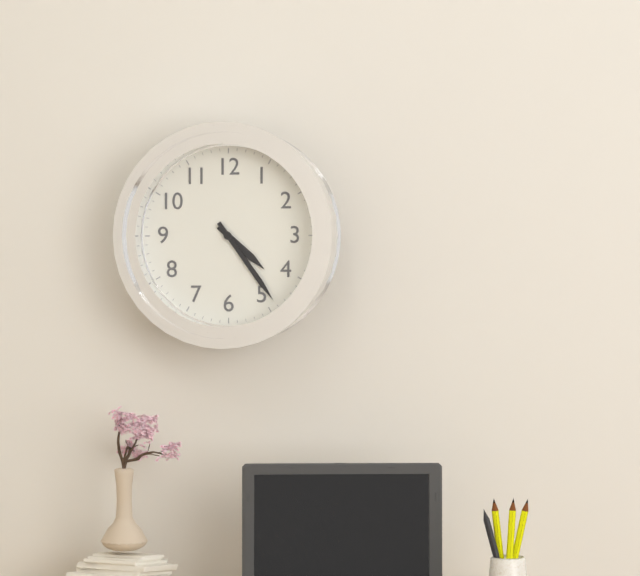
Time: {"hour": 4, "minute": 24}
